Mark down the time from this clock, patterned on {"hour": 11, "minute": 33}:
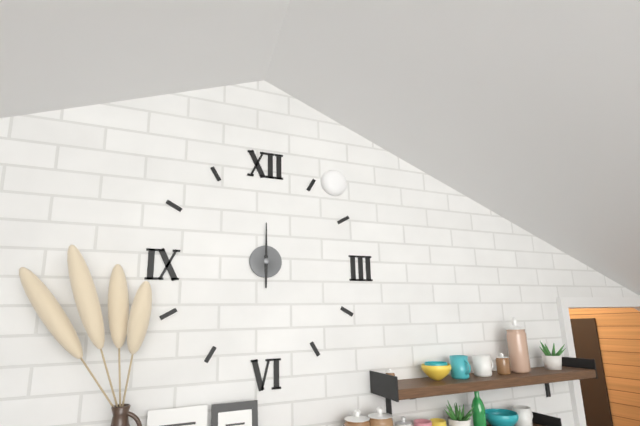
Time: {"hour": 6, "minute": 0}
